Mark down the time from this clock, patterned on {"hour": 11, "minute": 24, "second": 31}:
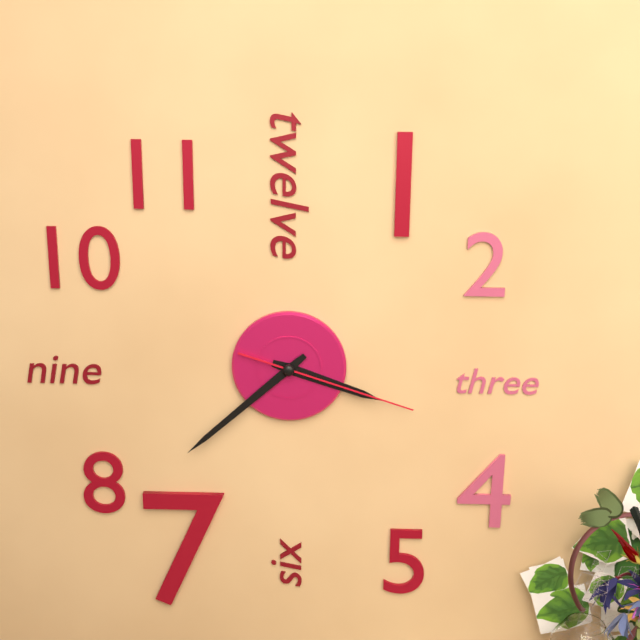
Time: {"hour": 3, "minute": 38, "second": 18}
